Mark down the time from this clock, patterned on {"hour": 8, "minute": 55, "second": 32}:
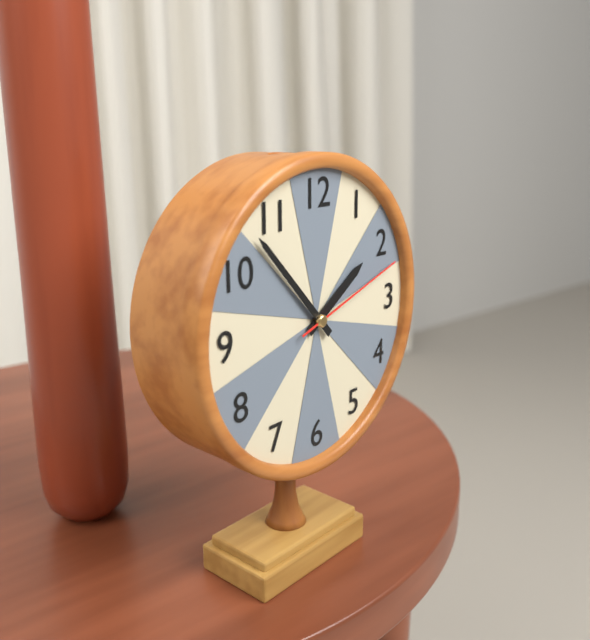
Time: {"hour": 1, "minute": 53, "second": 12}
